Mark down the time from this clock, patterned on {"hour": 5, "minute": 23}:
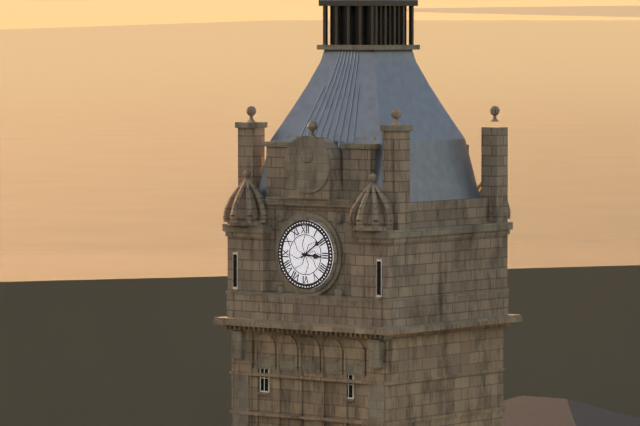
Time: {"hour": 3, "minute": 9}
